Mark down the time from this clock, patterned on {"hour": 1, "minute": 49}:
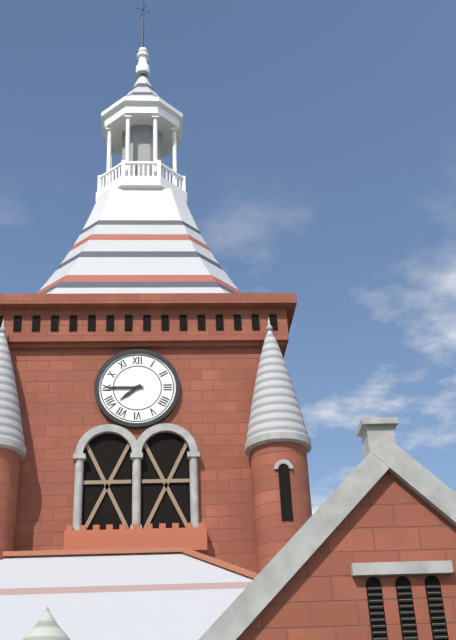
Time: {"hour": 7, "minute": 45}
